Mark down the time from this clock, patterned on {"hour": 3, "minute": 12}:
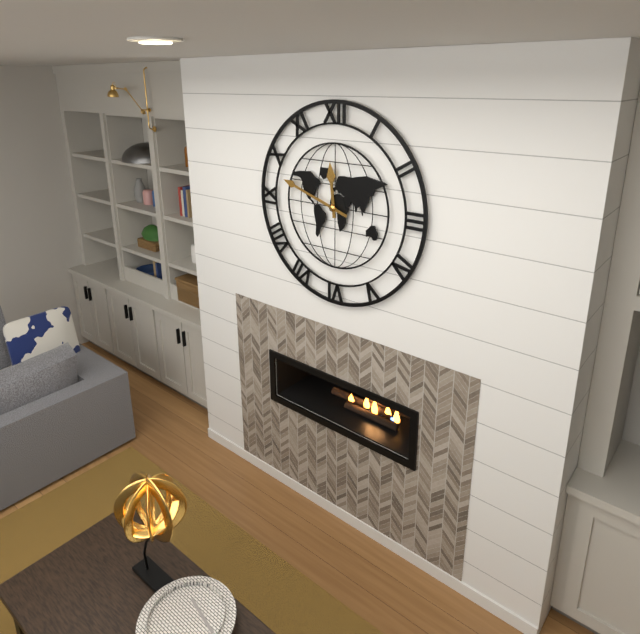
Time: {"hour": 11, "minute": 48}
